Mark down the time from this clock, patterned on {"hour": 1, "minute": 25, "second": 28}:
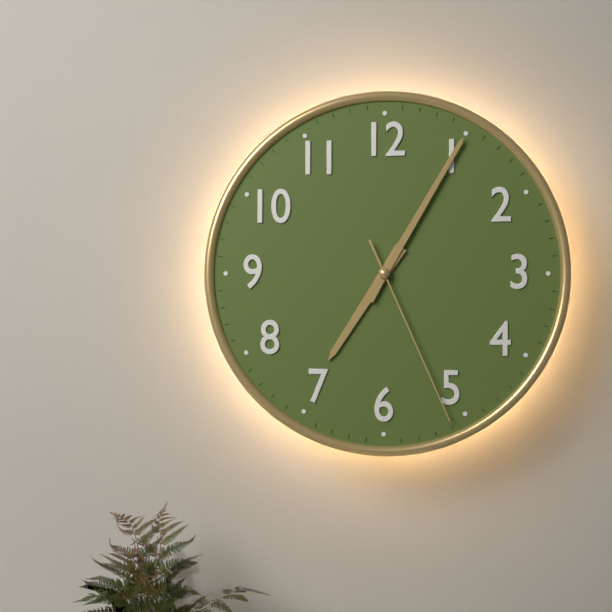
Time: {"hour": 7, "minute": 5, "second": 26}
